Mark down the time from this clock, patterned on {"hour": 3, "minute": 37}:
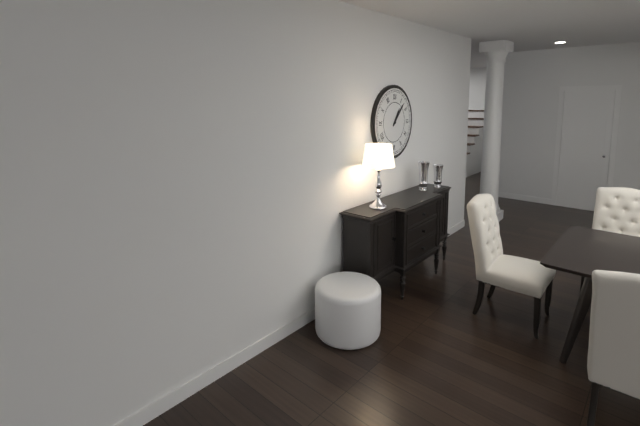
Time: {"hour": 1, "minute": 7}
